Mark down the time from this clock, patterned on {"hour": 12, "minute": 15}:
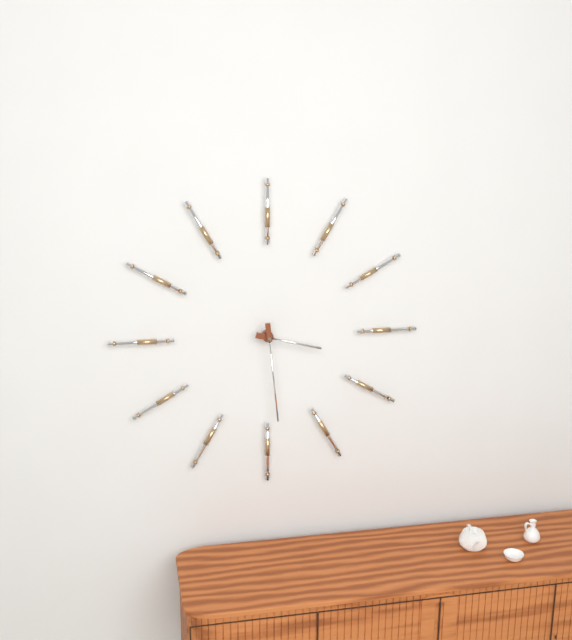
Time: {"hour": 3, "minute": 29}
